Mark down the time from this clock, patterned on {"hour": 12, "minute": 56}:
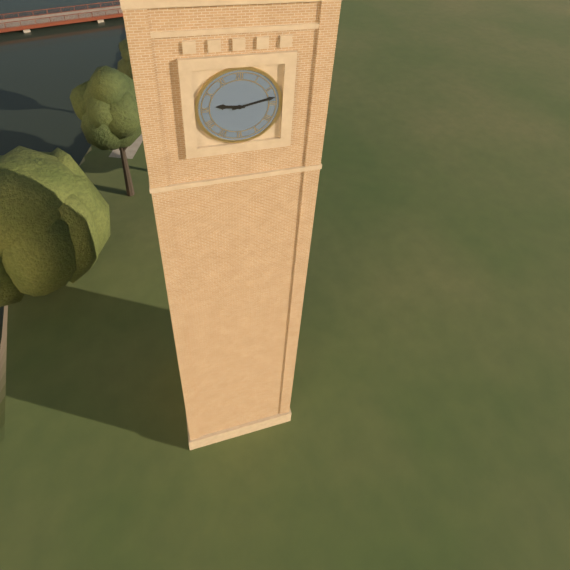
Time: {"hour": 9, "minute": 13}
